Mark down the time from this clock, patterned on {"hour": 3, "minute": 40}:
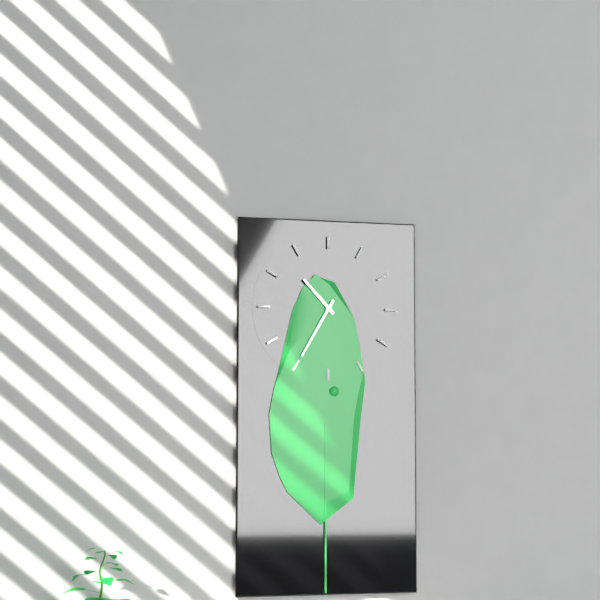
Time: {"hour": 10, "minute": 35}
